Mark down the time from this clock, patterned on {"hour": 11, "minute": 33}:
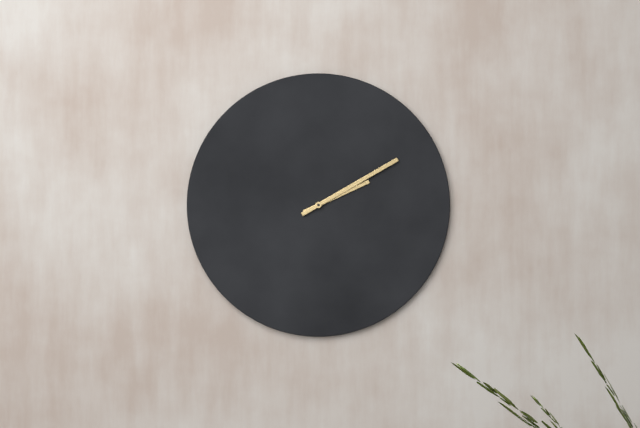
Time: {"hour": 2, "minute": 10}
